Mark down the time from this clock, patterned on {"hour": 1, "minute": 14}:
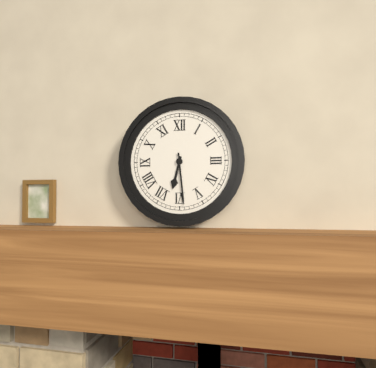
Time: {"hour": 6, "minute": 29}
